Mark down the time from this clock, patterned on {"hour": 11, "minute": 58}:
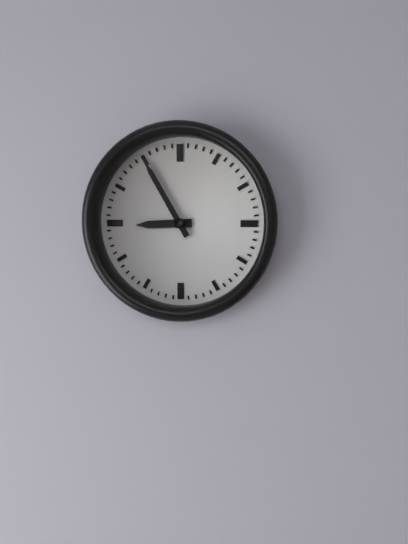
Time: {"hour": 8, "minute": 55}
